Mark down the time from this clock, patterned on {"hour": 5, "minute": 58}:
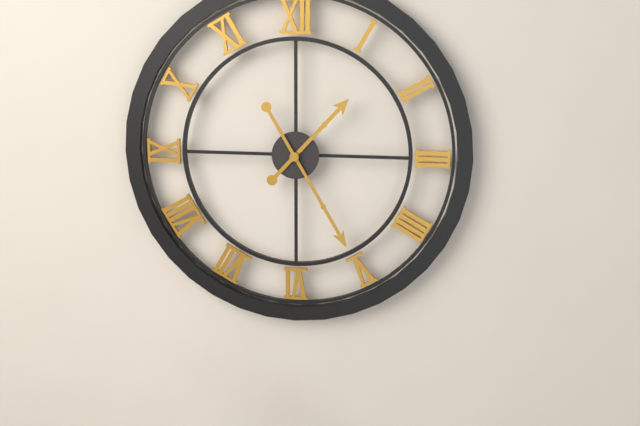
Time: {"hour": 1, "minute": 25}
